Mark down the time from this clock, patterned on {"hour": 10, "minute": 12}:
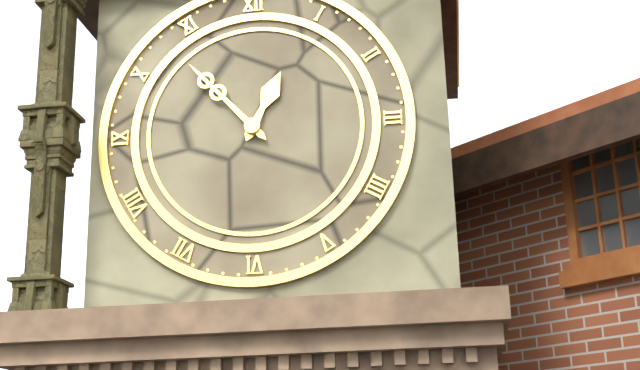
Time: {"hour": 12, "minute": 53}
